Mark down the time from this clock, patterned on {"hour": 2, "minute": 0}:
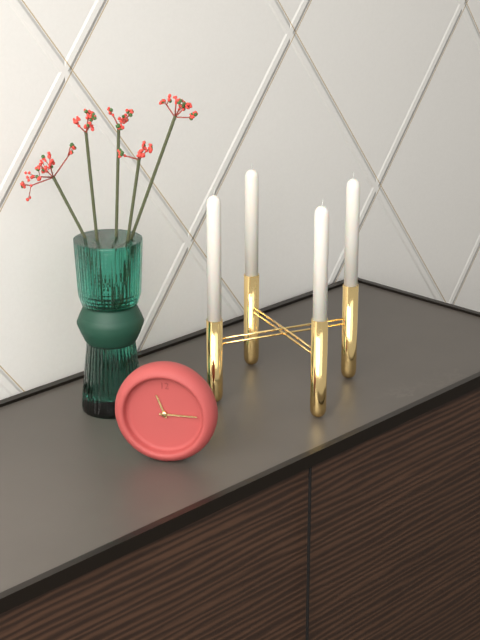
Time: {"hour": 11, "minute": 15}
